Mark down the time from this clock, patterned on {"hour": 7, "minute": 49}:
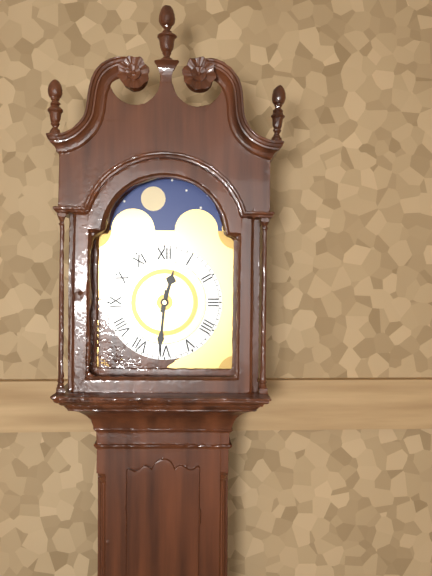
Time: {"hour": 12, "minute": 31}
